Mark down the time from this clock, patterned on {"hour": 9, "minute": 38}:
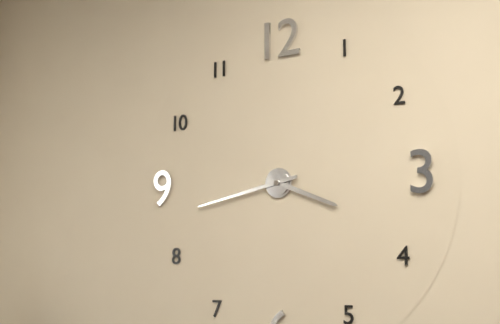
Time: {"hour": 3, "minute": 43}
